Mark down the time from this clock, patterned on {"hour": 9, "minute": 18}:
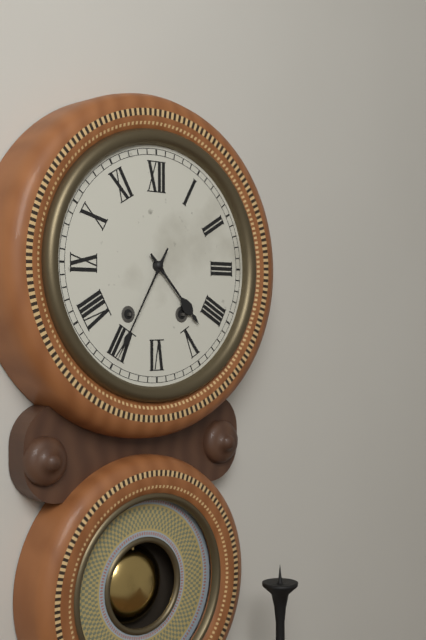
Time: {"hour": 4, "minute": 35}
